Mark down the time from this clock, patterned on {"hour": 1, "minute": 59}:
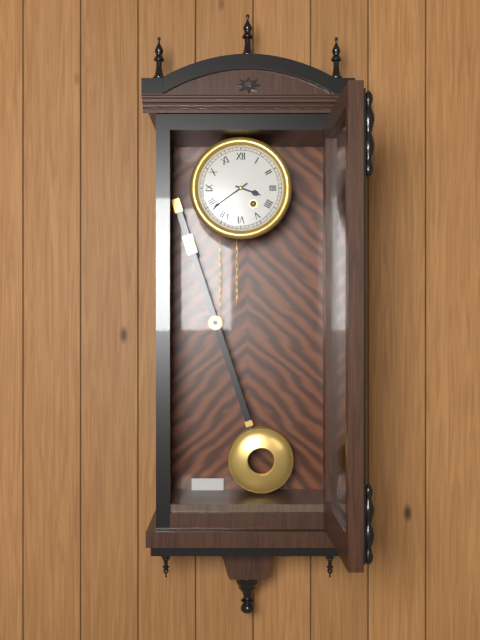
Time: {"hour": 3, "minute": 39}
